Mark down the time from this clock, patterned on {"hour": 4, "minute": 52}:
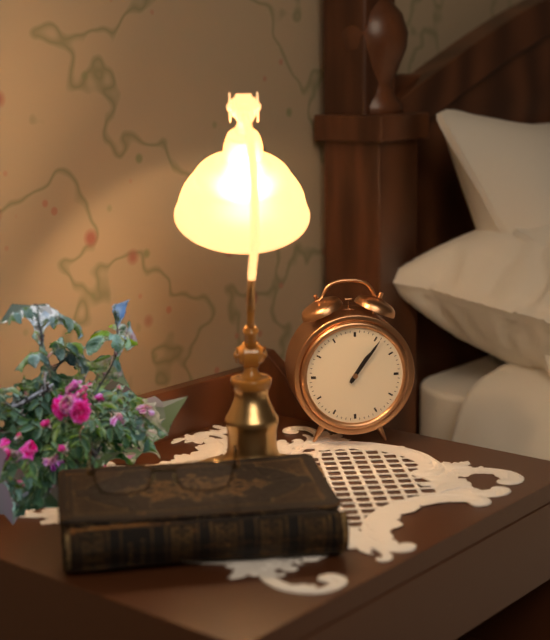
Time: {"hour": 1, "minute": 6}
